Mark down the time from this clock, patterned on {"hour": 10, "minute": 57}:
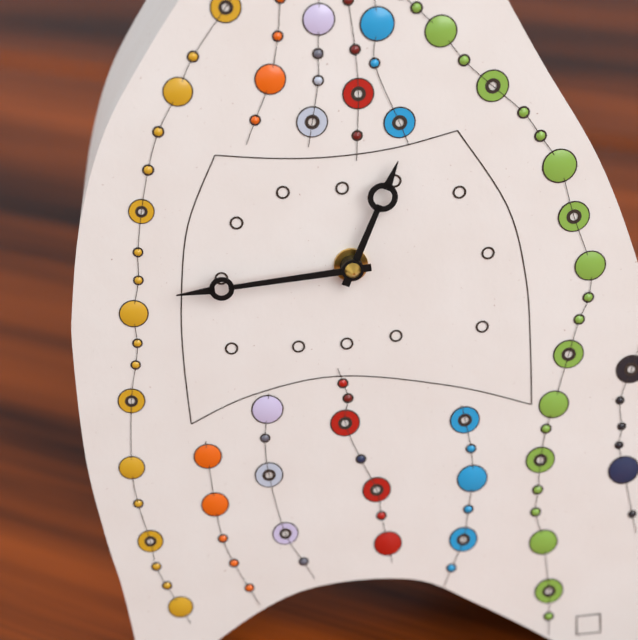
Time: {"hour": 12, "minute": 44}
